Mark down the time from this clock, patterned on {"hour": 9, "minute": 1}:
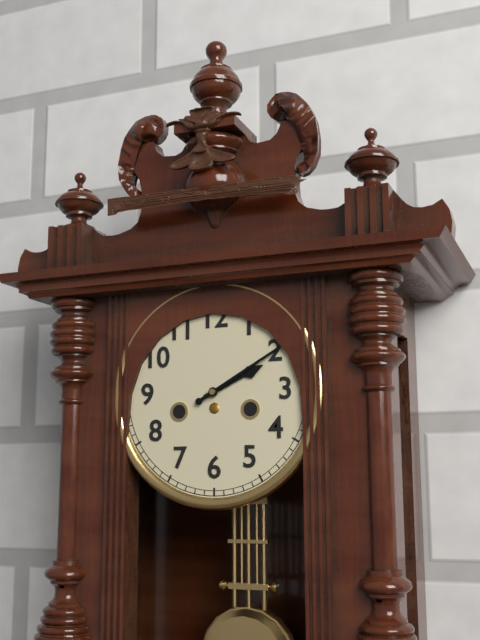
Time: {"hour": 2, "minute": 10}
